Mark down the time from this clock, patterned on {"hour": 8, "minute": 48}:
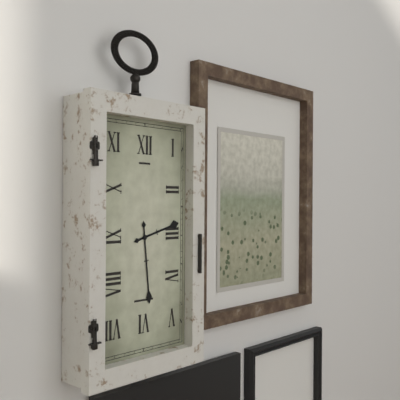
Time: {"hour": 2, "minute": 29}
